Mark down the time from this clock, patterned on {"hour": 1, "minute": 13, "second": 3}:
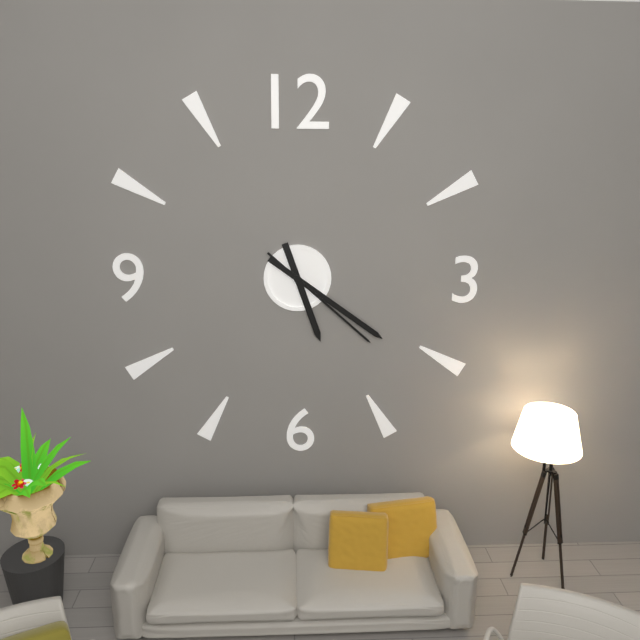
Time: {"hour": 5, "minute": 21, "second": 22}
